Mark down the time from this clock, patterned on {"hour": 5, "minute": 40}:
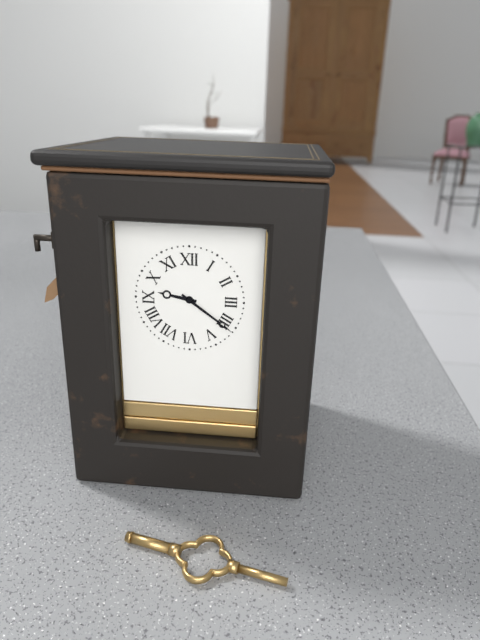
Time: {"hour": 9, "minute": 21}
